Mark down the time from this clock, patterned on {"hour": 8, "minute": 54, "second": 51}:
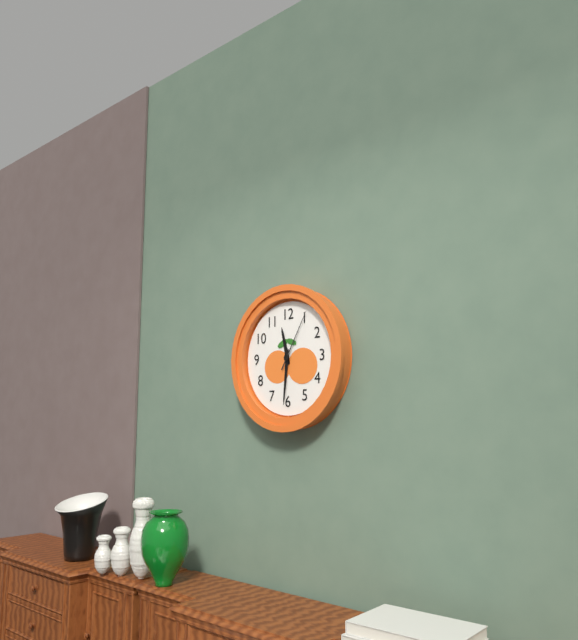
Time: {"hour": 11, "minute": 31, "second": 5}
